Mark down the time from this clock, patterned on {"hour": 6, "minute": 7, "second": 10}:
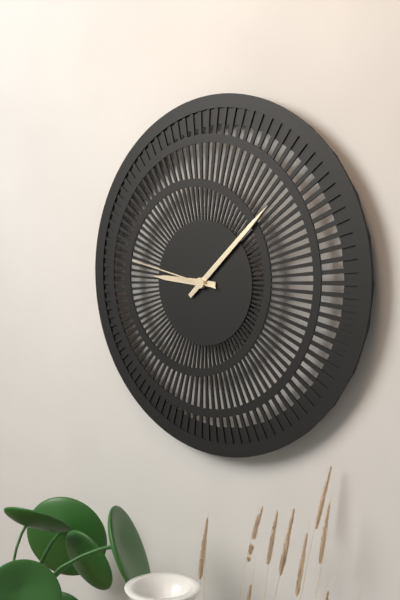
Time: {"hour": 9, "minute": 8, "second": 47}
